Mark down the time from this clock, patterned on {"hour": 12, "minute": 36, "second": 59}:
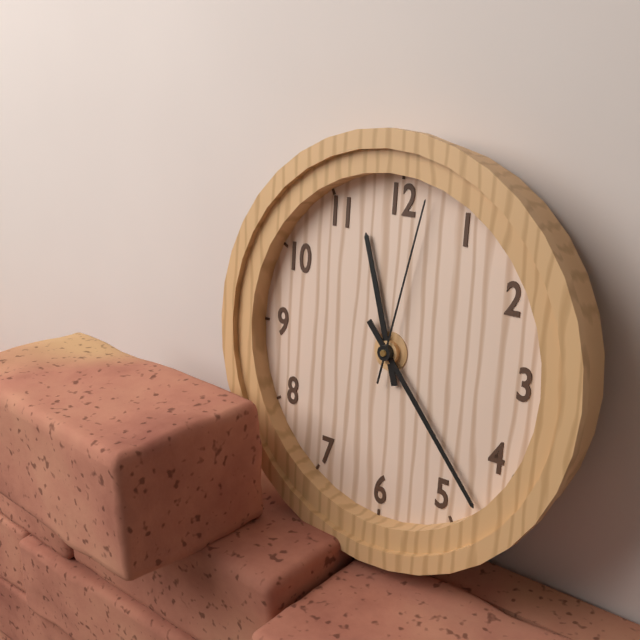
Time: {"hour": 11, "minute": 23, "second": 2}
